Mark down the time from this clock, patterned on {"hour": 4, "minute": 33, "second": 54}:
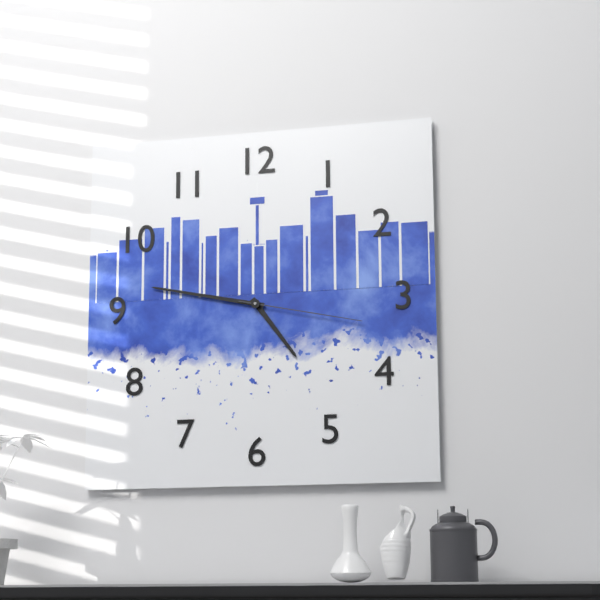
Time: {"hour": 4, "minute": 47, "second": 17}
